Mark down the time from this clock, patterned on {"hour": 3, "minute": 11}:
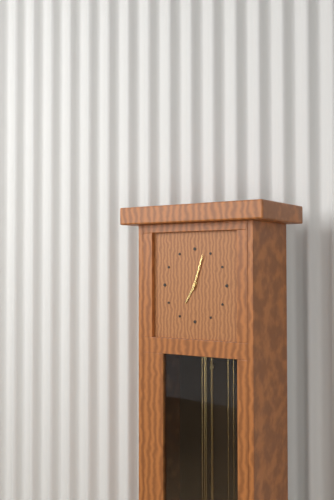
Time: {"hour": 7, "minute": 3}
